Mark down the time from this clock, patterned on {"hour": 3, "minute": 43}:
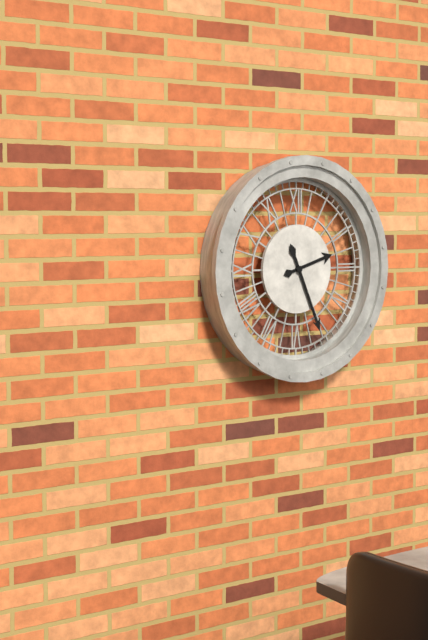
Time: {"hour": 2, "minute": 26}
